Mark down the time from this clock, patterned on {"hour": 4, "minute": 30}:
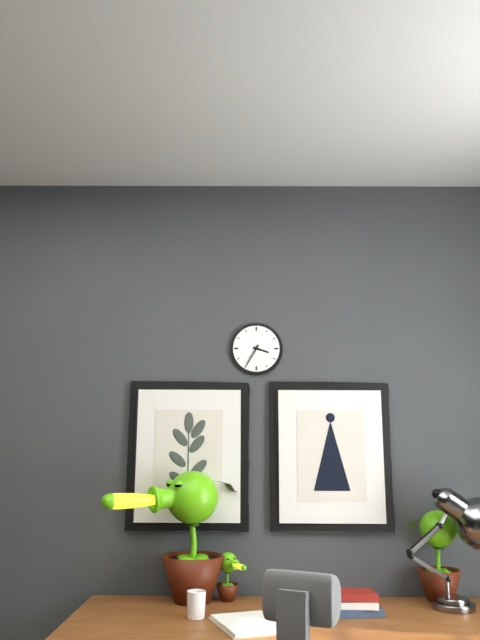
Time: {"hour": 3, "minute": 35}
